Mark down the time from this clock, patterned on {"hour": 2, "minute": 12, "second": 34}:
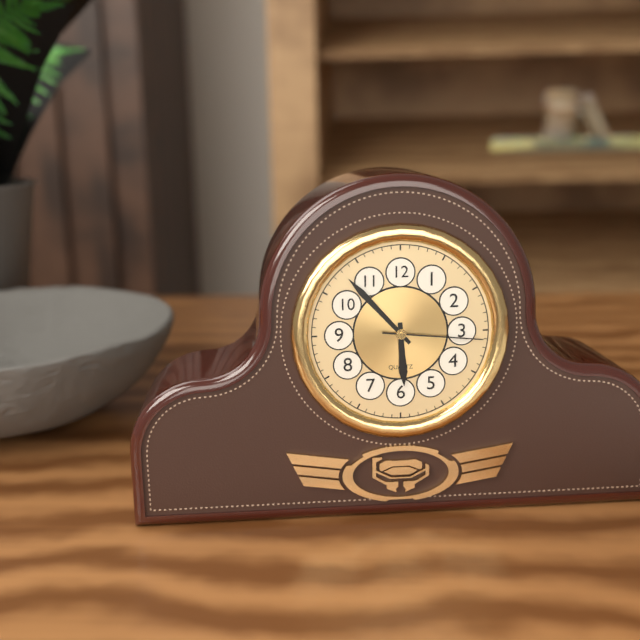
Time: {"hour": 5, "minute": 53, "second": 16}
